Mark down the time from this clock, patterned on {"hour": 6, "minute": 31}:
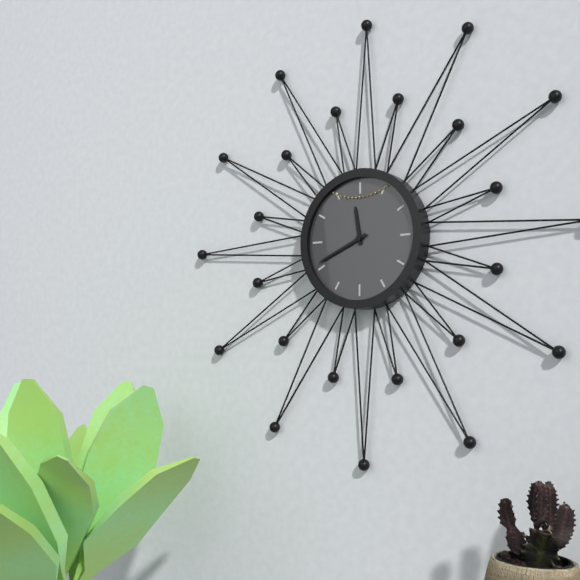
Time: {"hour": 11, "minute": 41}
